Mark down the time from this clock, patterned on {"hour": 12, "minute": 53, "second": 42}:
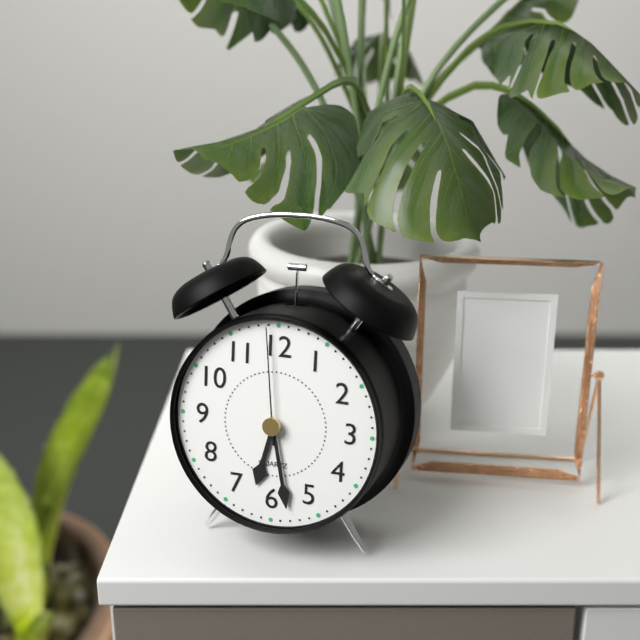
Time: {"hour": 6, "minute": 28, "second": 59}
